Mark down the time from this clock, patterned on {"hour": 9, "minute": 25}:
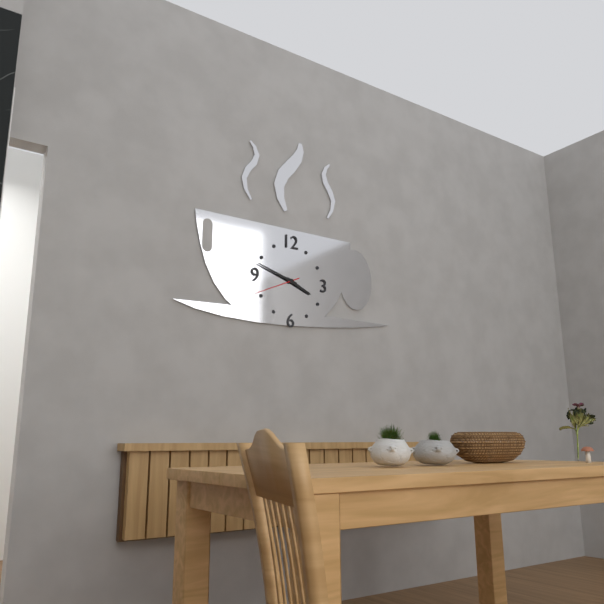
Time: {"hour": 3, "minute": 48}
